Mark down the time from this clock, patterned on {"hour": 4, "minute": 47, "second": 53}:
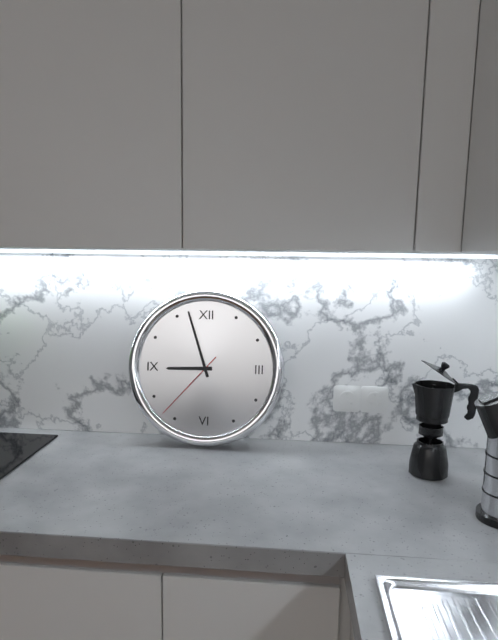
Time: {"hour": 8, "minute": 57, "second": 37}
